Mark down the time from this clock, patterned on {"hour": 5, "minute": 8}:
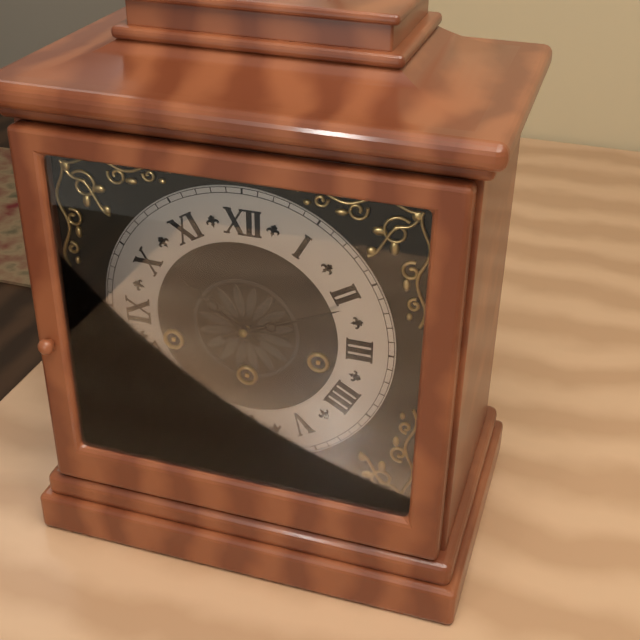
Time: {"hour": 10, "minute": 11}
